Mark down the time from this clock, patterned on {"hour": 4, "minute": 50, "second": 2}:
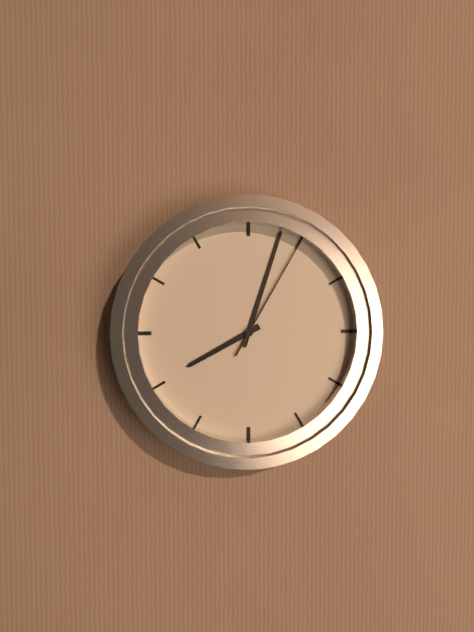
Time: {"hour": 8, "minute": 3, "second": 5}
